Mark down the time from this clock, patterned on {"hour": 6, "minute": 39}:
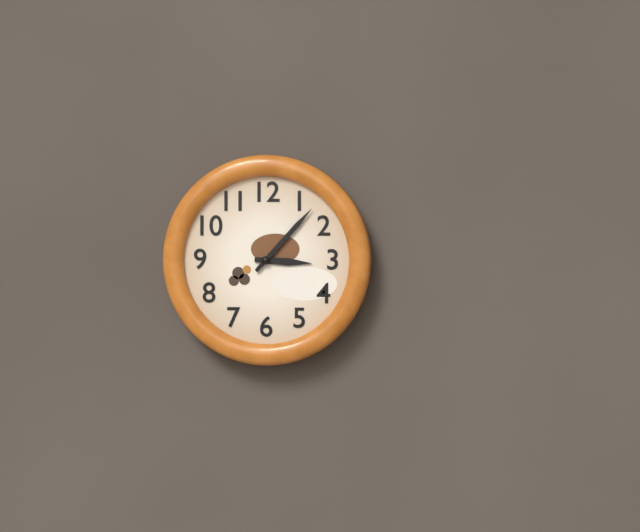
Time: {"hour": 3, "minute": 7}
